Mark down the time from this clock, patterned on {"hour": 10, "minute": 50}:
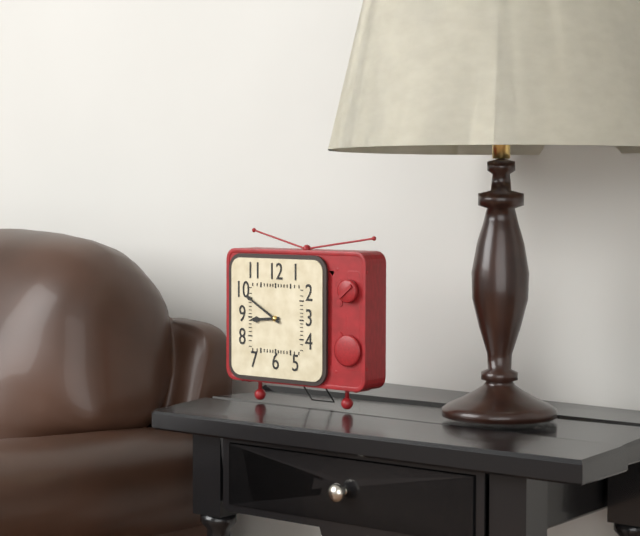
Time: {"hour": 8, "minute": 50}
